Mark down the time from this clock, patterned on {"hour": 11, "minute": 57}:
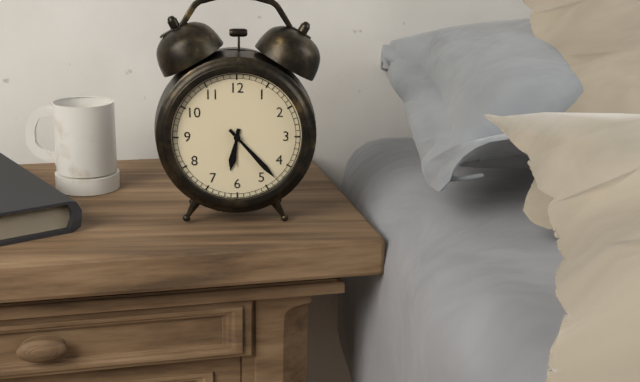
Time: {"hour": 6, "minute": 23}
